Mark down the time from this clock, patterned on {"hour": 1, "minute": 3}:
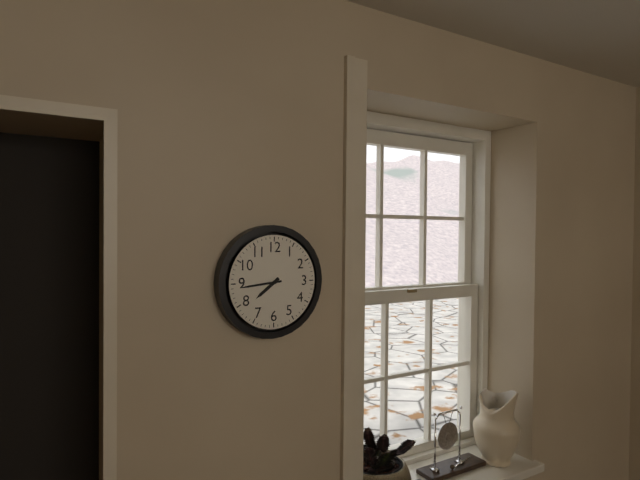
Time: {"hour": 7, "minute": 44}
